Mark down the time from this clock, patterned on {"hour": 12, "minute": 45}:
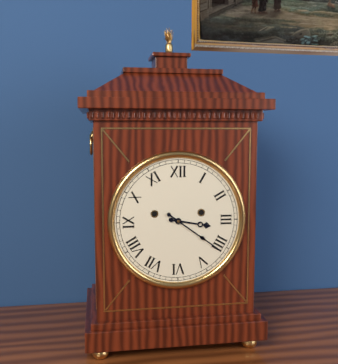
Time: {"hour": 3, "minute": 21}
